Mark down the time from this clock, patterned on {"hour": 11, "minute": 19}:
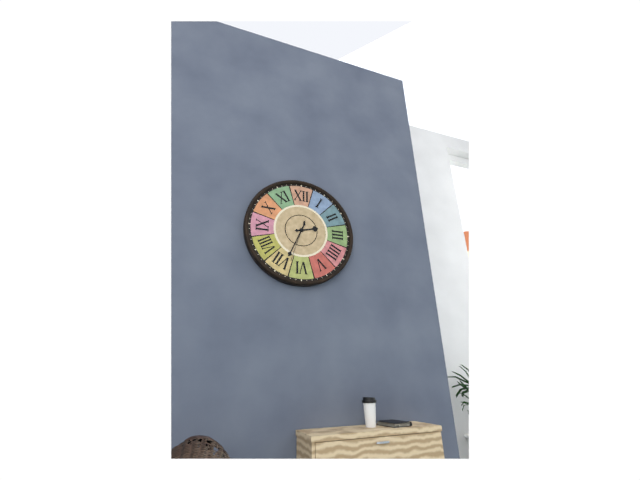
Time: {"hour": 2, "minute": 34}
